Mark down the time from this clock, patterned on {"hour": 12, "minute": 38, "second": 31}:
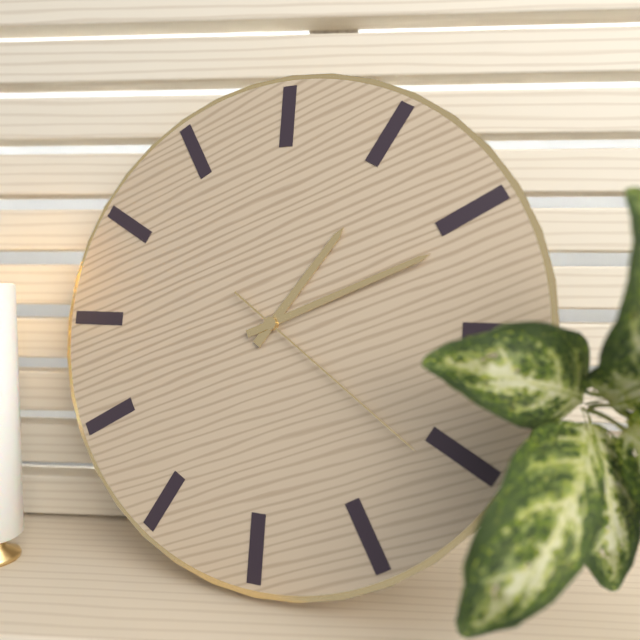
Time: {"hour": 1, "minute": 11, "second": 21}
